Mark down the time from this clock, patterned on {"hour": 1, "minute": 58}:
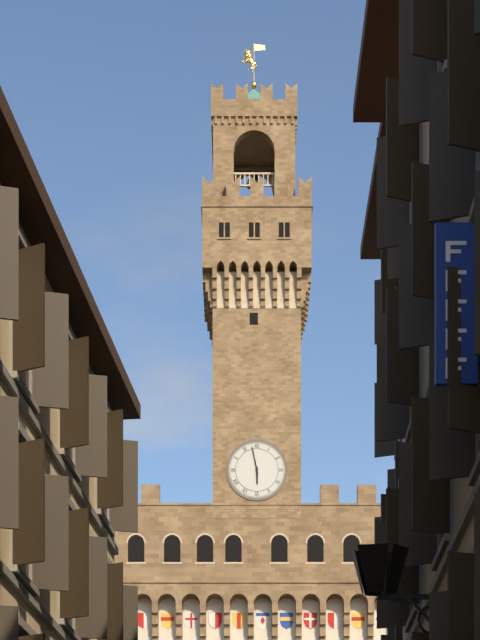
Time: {"hour": 5, "minute": 58}
